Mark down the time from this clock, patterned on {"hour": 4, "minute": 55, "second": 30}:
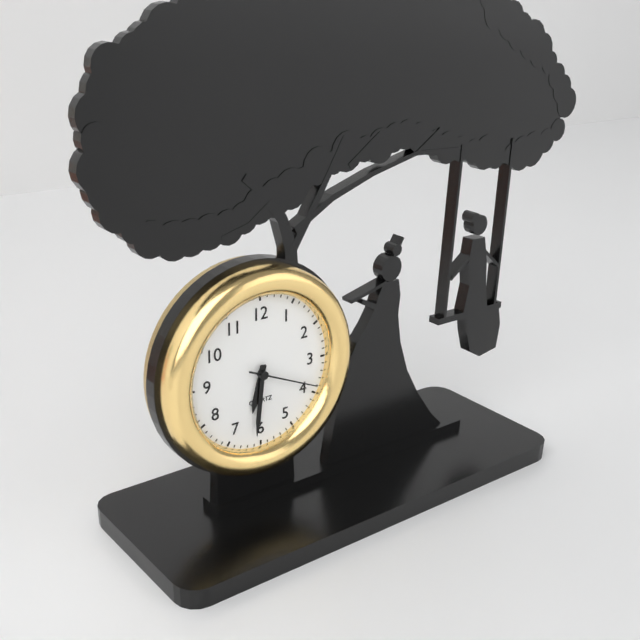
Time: {"hour": 6, "minute": 31, "second": 19}
